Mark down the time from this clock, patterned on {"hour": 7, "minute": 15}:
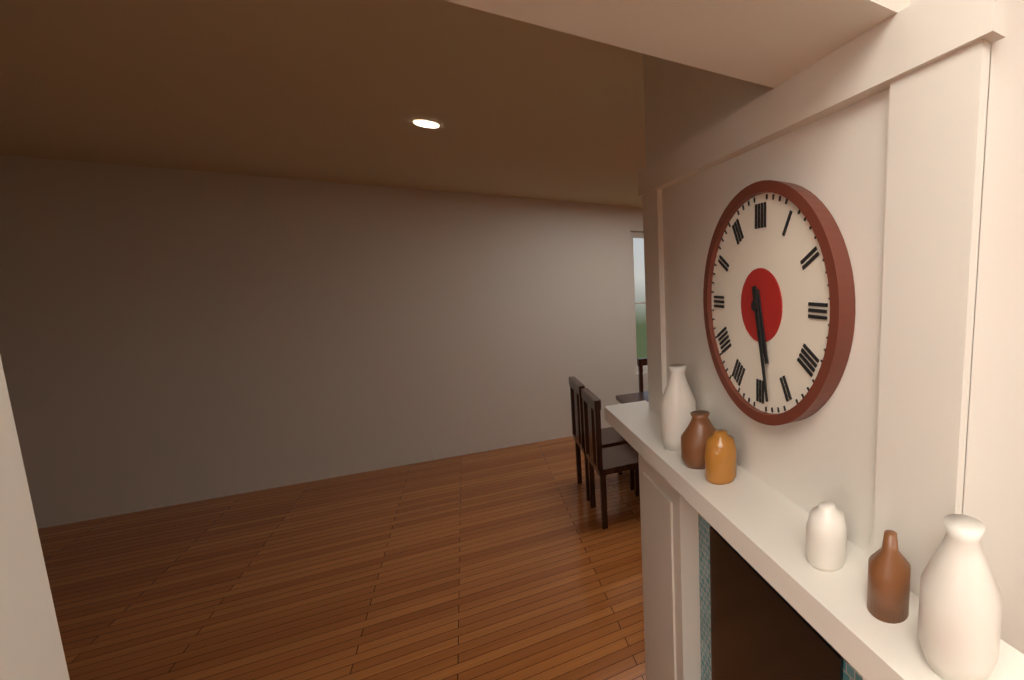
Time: {"hour": 5, "minute": 28}
